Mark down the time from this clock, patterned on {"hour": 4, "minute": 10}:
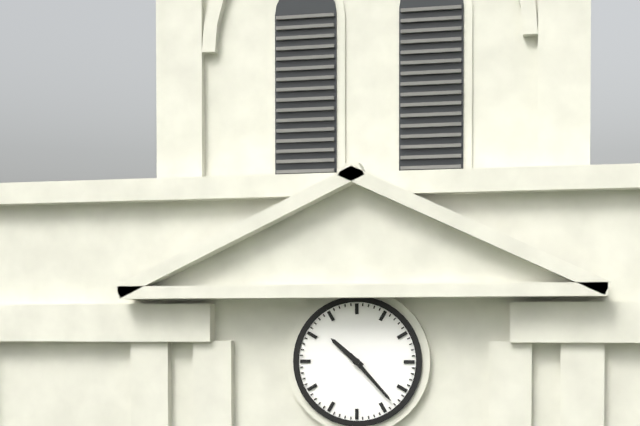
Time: {"hour": 10, "minute": 23}
